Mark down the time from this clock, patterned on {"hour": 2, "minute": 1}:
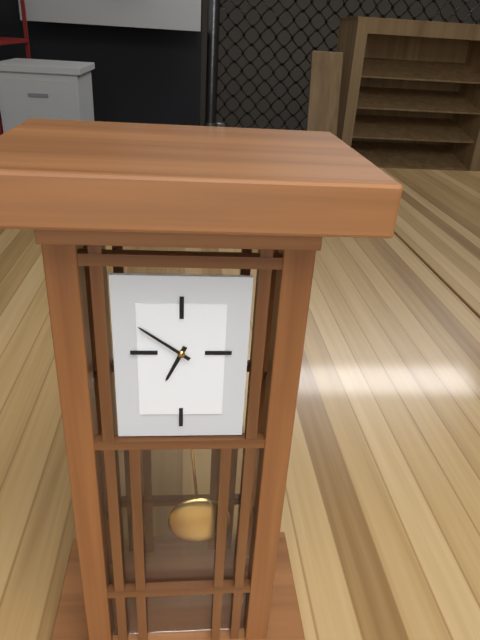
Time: {"hour": 6, "minute": 51}
